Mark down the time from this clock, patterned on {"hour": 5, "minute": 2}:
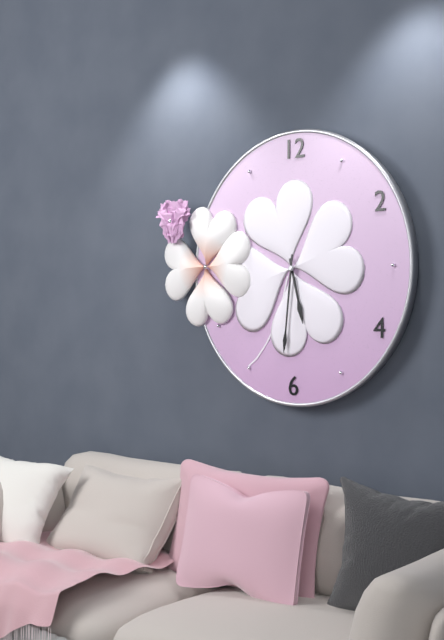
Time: {"hour": 5, "minute": 31}
